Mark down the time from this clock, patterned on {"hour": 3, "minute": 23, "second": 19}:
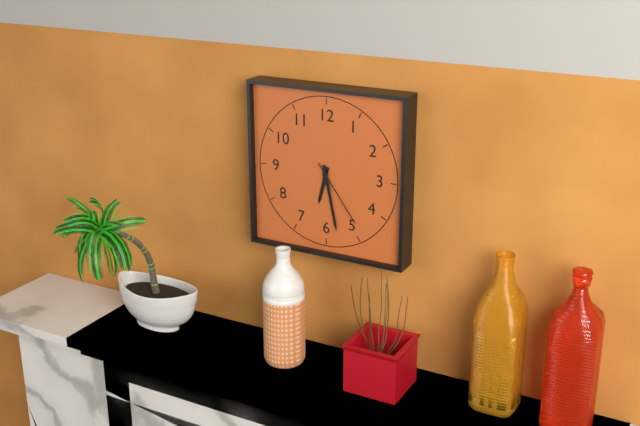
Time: {"hour": 6, "minute": 28, "second": 24}
